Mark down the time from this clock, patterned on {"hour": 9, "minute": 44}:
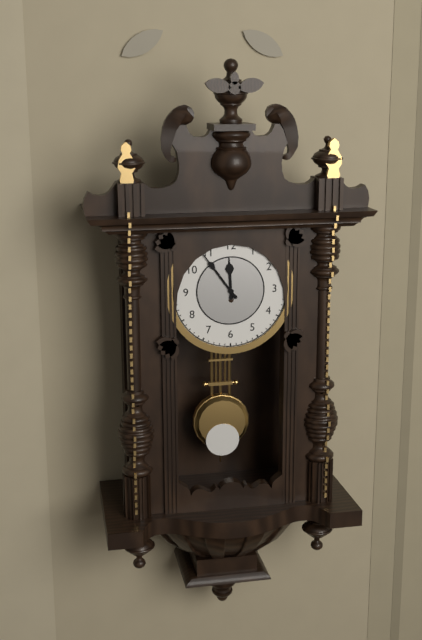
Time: {"hour": 11, "minute": 54}
